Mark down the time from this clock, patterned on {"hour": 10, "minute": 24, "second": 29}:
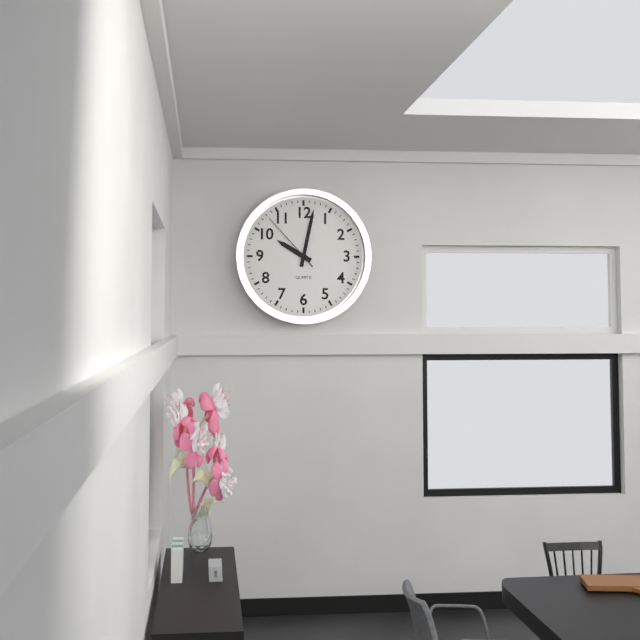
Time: {"hour": 10, "minute": 2, "second": 53}
